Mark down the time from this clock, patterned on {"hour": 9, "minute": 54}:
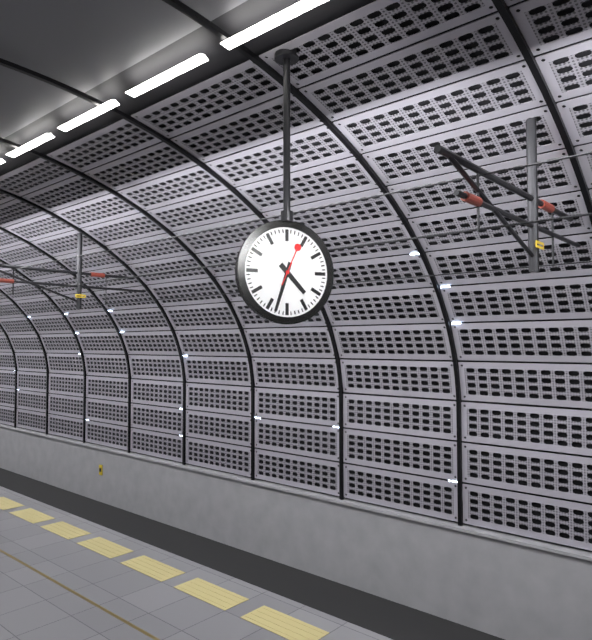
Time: {"hour": 4, "minute": 33}
